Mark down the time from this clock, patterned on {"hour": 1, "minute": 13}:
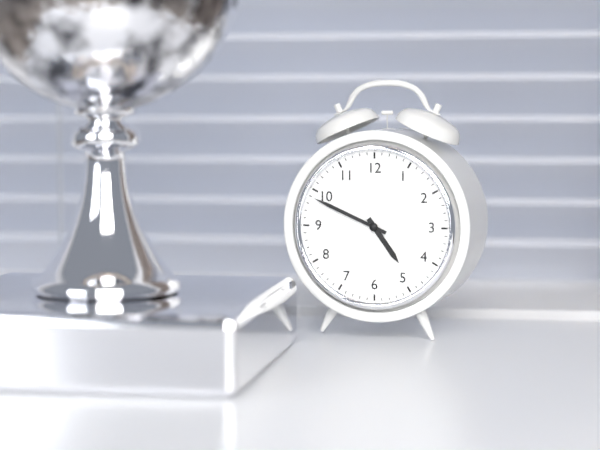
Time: {"hour": 4, "minute": 49}
